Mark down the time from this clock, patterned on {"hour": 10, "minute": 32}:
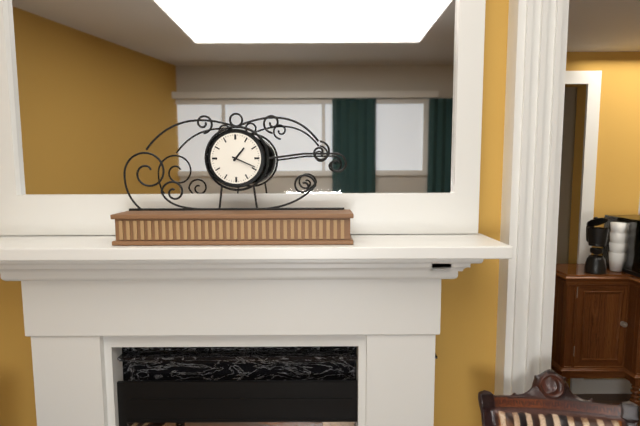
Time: {"hour": 1, "minute": 19}
